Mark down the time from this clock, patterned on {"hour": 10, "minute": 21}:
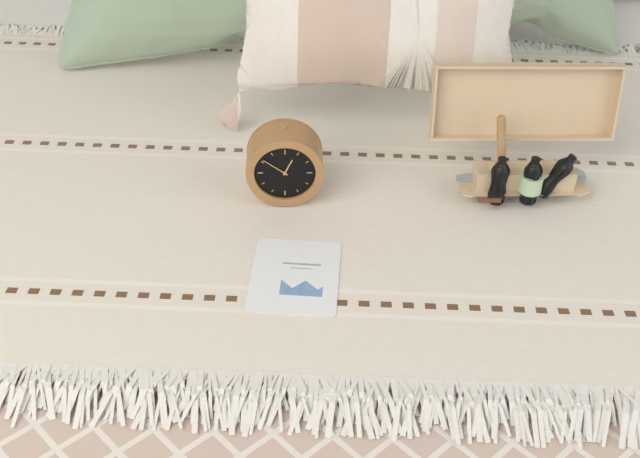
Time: {"hour": 12, "minute": 51}
